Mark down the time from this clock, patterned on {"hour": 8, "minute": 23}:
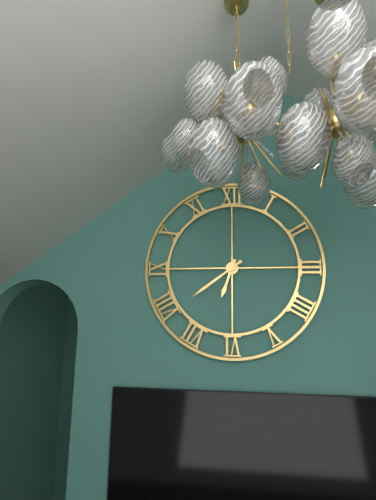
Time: {"hour": 6, "minute": 39}
